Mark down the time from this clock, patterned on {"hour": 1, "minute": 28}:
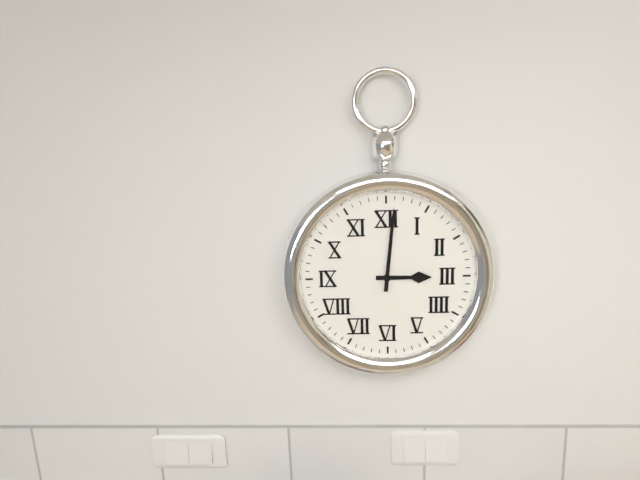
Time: {"hour": 3, "minute": 1}
